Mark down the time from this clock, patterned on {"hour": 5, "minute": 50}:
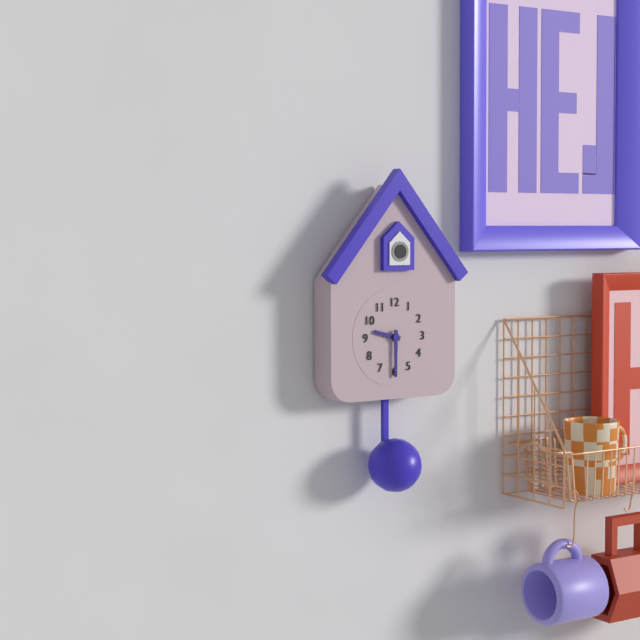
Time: {"hour": 9, "minute": 30}
